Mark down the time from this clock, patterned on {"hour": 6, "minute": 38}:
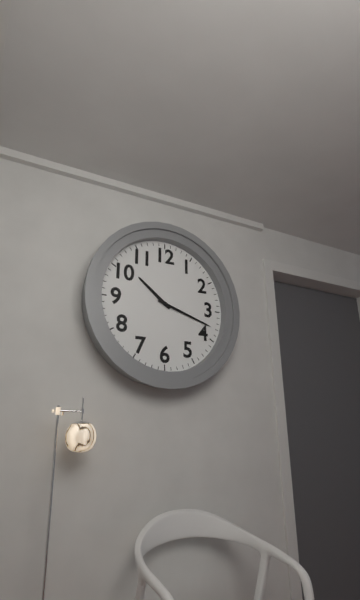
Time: {"hour": 10, "minute": 18}
